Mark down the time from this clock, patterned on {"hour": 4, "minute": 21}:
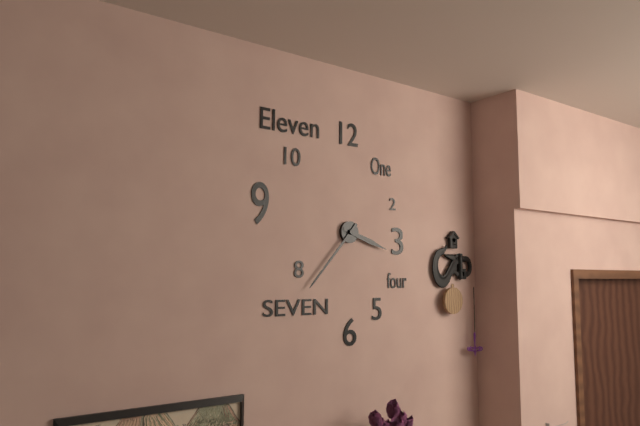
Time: {"hour": 3, "minute": 37}
